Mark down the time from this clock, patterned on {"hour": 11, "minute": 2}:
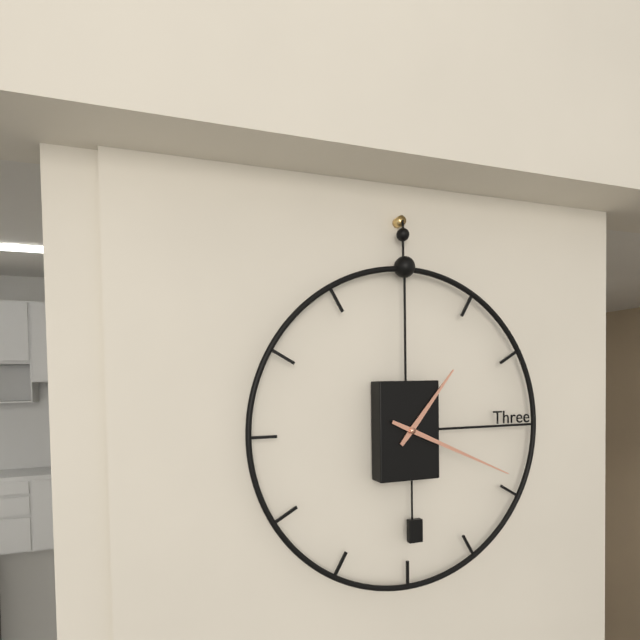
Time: {"hour": 1, "minute": 19}
